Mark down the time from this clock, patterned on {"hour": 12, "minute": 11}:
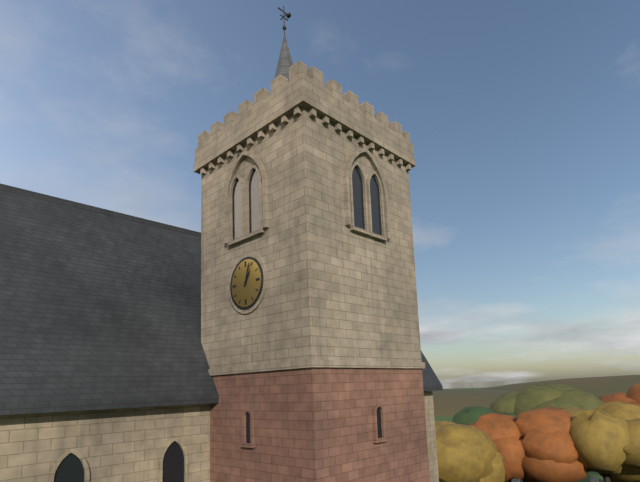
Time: {"hour": 1, "minute": 3}
